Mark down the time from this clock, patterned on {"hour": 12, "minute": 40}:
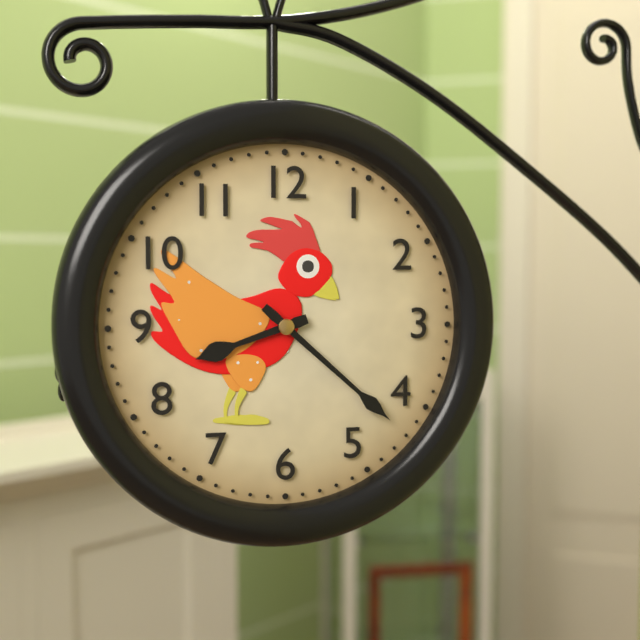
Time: {"hour": 8, "minute": 22}
